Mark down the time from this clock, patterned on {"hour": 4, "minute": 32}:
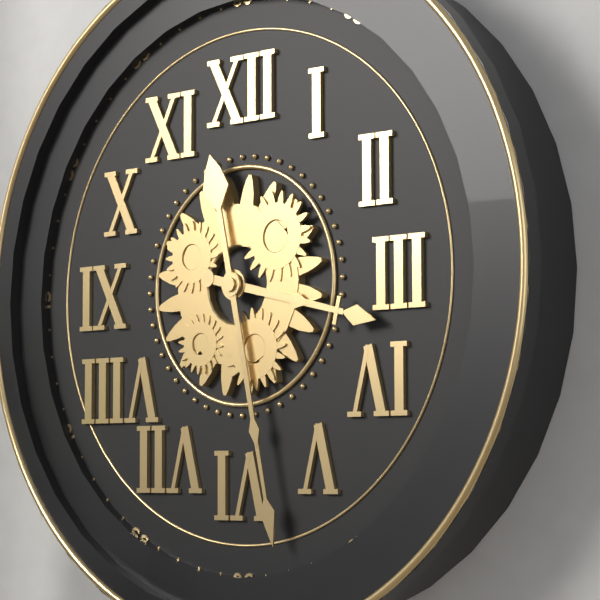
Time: {"hour": 3, "minute": 28}
